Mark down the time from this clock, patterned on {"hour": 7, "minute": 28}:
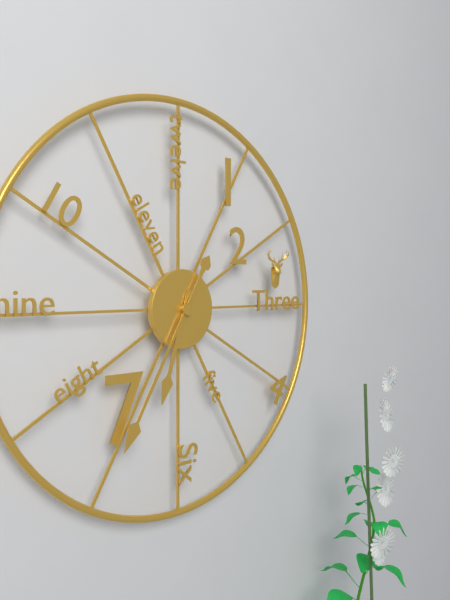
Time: {"hour": 6, "minute": 35}
